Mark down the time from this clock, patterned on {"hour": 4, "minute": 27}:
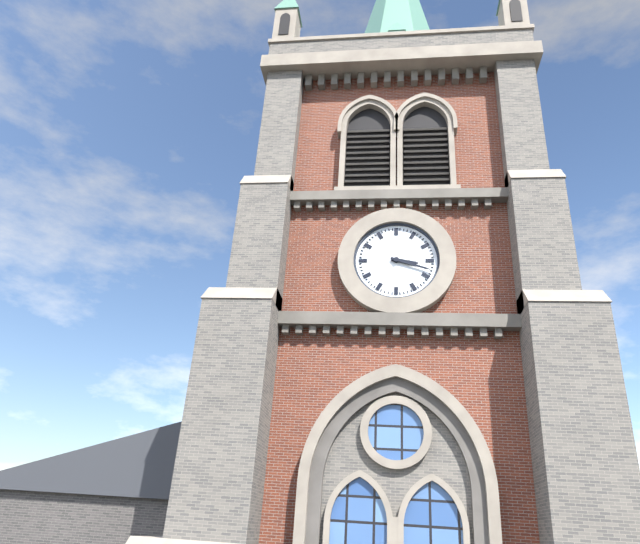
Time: {"hour": 3, "minute": 18}
